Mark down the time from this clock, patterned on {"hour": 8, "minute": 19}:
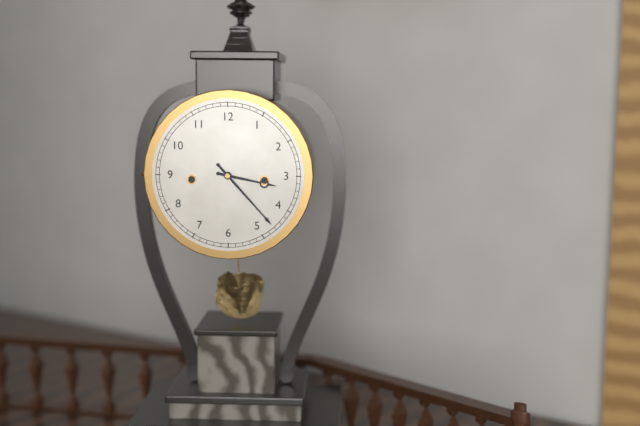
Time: {"hour": 3, "minute": 23}
